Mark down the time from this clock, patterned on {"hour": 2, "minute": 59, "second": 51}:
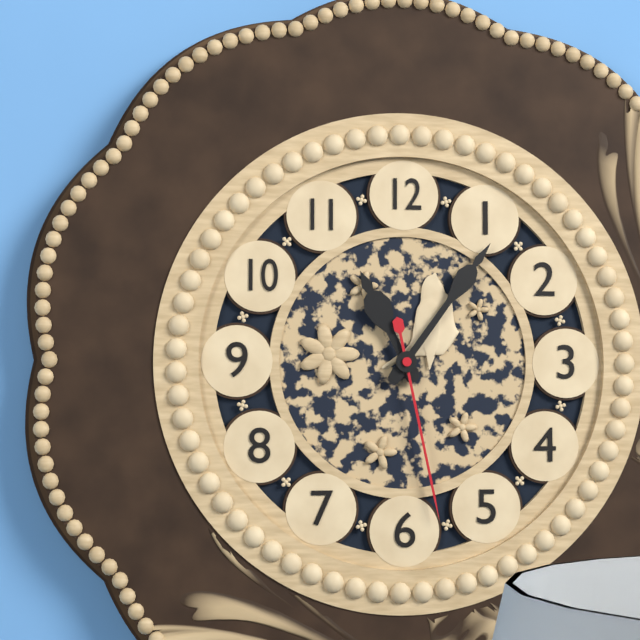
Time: {"hour": 11, "minute": 6, "second": 28}
